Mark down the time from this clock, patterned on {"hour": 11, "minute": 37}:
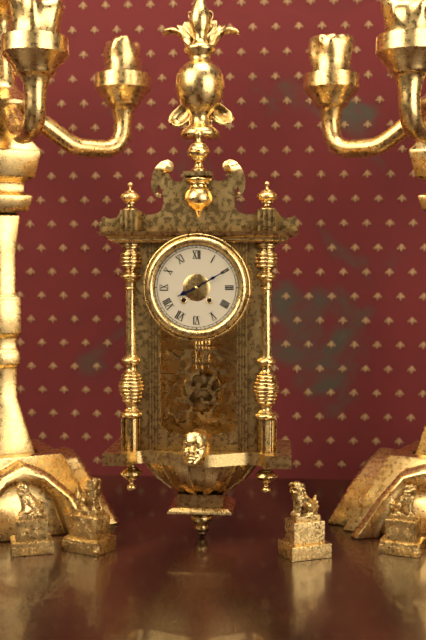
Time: {"hour": 8, "minute": 10}
